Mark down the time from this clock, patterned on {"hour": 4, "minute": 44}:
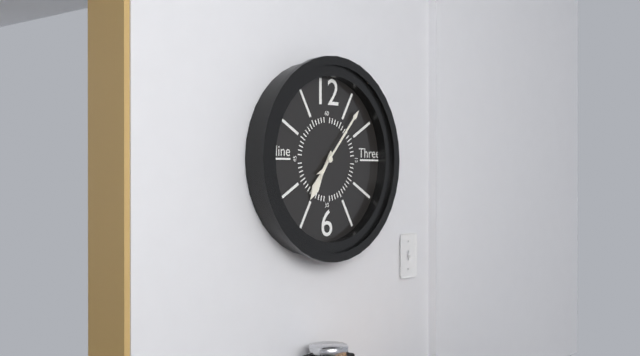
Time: {"hour": 7, "minute": 7}
